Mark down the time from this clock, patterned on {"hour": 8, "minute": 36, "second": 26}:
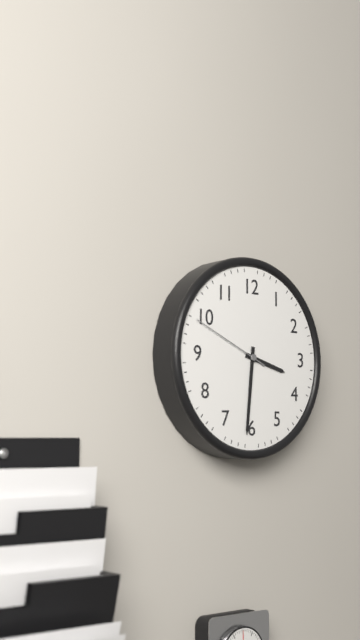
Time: {"hour": 3, "minute": 31, "second": 49}
